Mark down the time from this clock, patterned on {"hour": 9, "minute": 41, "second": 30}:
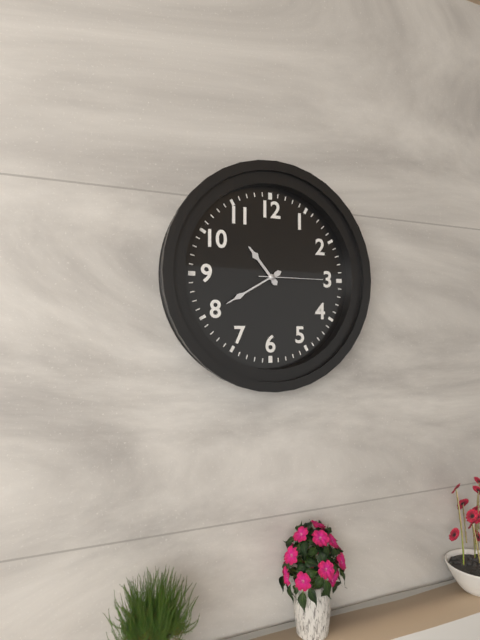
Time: {"hour": 10, "minute": 40, "second": 15}
